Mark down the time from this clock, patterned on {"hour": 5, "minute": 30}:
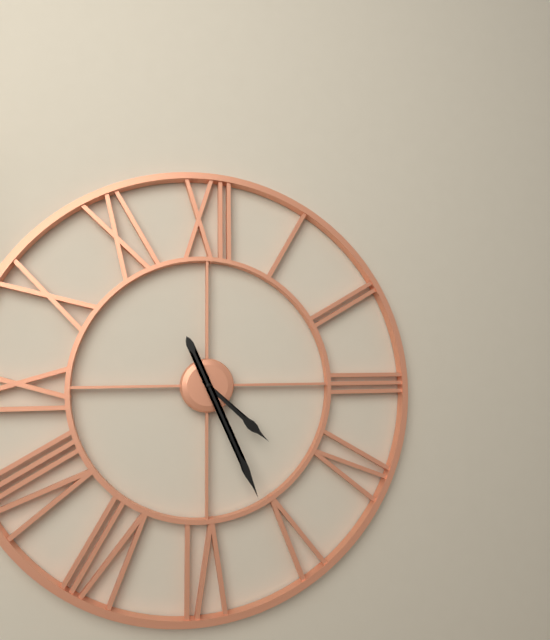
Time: {"hour": 4, "minute": 26}
